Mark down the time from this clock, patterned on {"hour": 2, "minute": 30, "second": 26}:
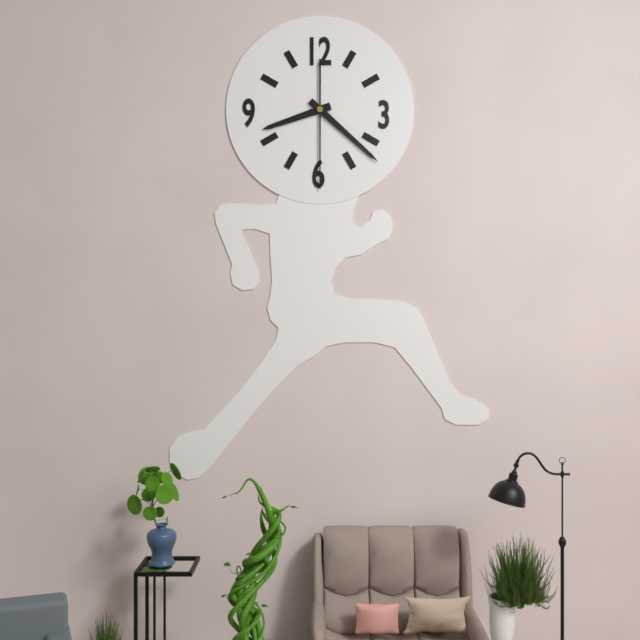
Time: {"hour": 8, "minute": 22, "second": 30}
